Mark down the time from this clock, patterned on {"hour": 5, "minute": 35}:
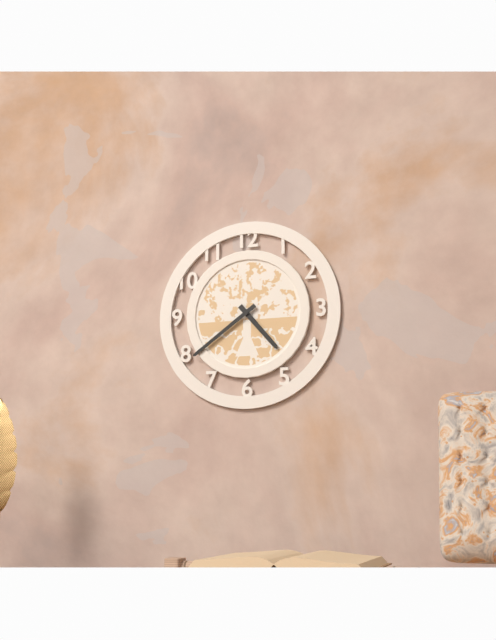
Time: {"hour": 4, "minute": 39}
